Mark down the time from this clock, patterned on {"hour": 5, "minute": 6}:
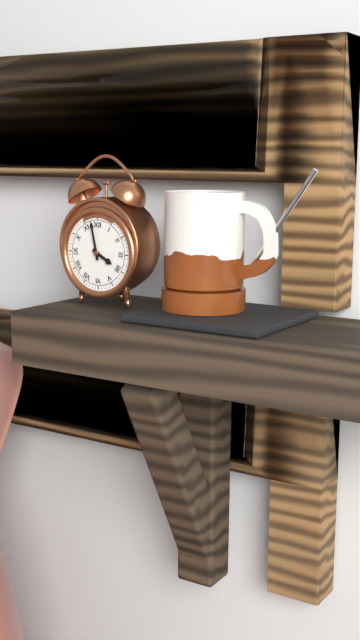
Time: {"hour": 3, "minute": 58}
